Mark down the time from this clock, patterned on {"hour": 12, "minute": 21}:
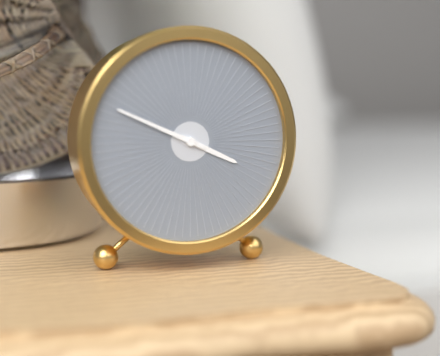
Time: {"hour": 3, "minute": 49}
